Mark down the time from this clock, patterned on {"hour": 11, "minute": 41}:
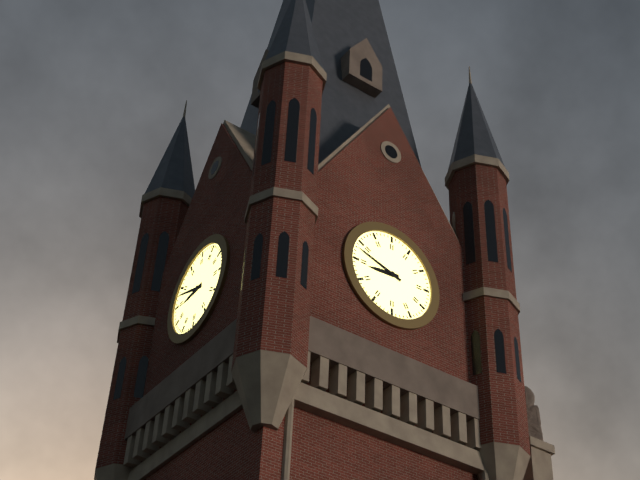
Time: {"hour": 8, "minute": 48}
